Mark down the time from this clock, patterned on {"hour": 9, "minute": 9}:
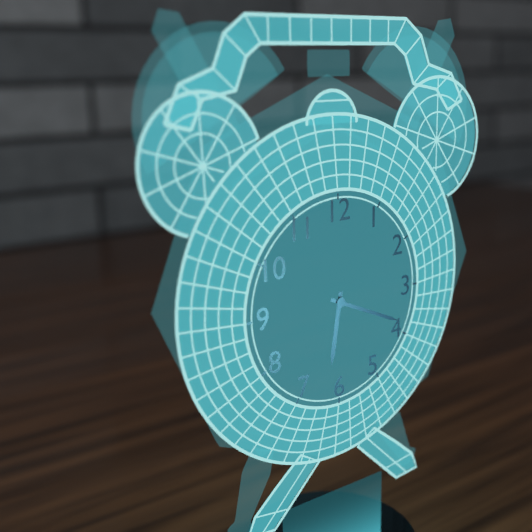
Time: {"hour": 6, "minute": 19}
